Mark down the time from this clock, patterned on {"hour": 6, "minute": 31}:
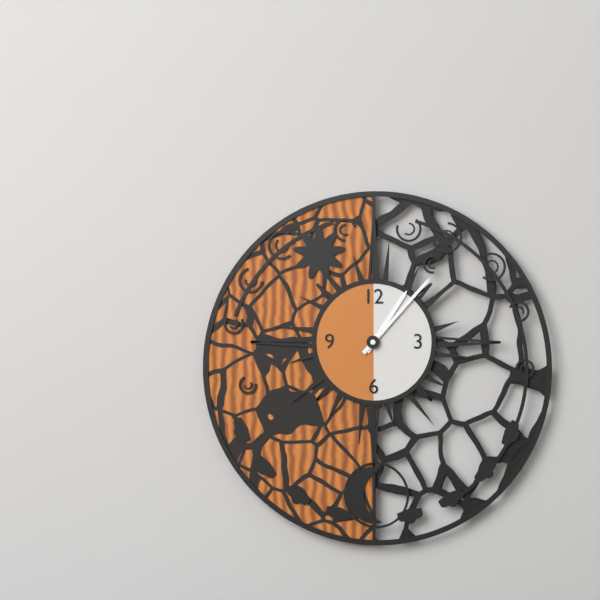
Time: {"hour": 1, "minute": 7}
